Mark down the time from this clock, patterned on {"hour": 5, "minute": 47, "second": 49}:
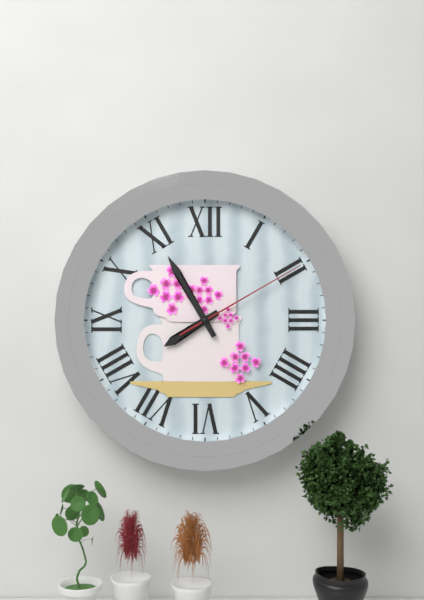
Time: {"hour": 7, "minute": 55, "second": 10}
